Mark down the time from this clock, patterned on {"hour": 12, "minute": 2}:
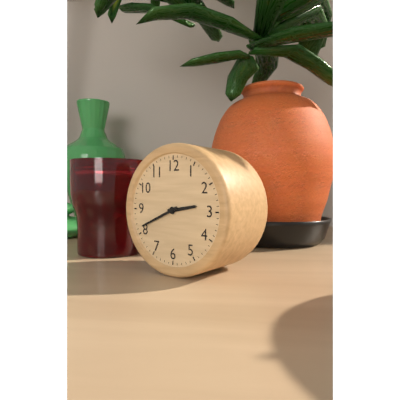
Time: {"hour": 2, "minute": 41}
